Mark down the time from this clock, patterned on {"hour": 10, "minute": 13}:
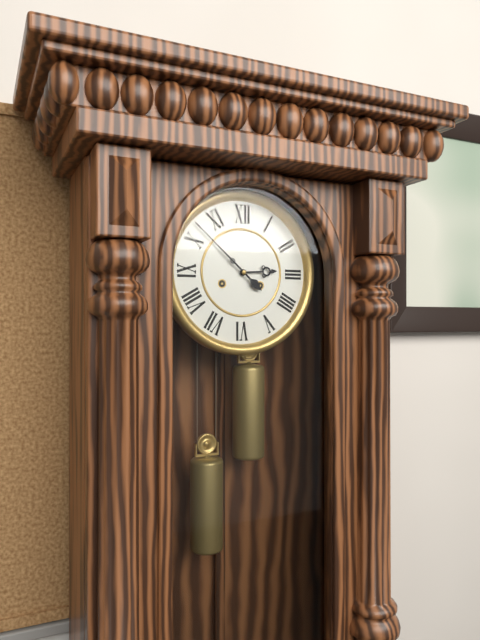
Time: {"hour": 2, "minute": 52}
